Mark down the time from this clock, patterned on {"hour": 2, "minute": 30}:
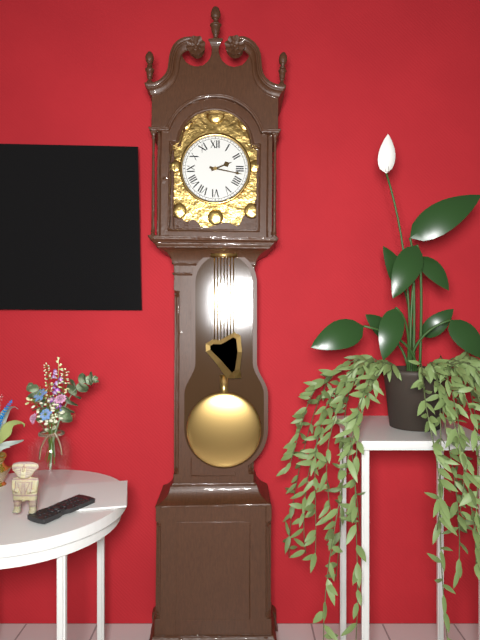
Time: {"hour": 2, "minute": 17}
